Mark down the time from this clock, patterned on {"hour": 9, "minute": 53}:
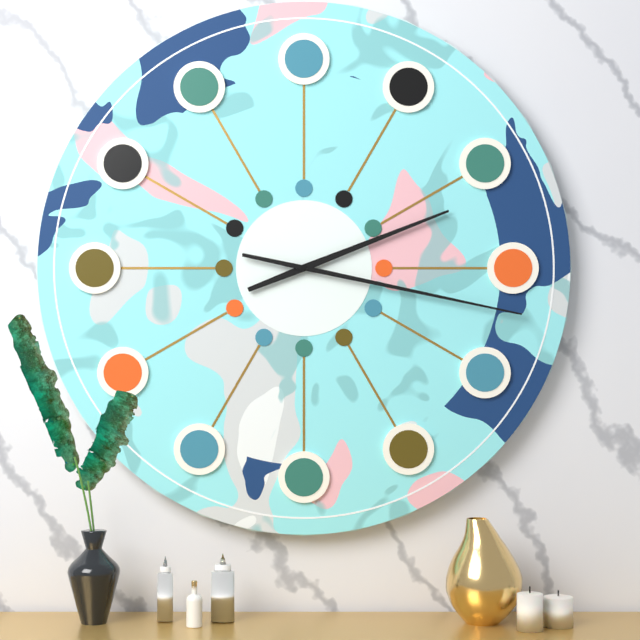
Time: {"hour": 2, "minute": 17}
